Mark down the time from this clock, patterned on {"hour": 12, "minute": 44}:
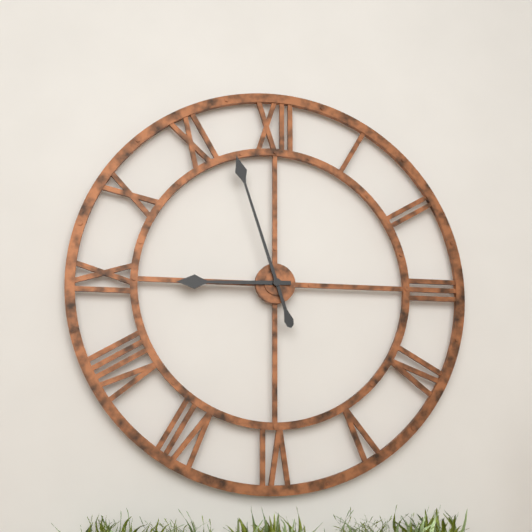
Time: {"hour": 8, "minute": 57}
